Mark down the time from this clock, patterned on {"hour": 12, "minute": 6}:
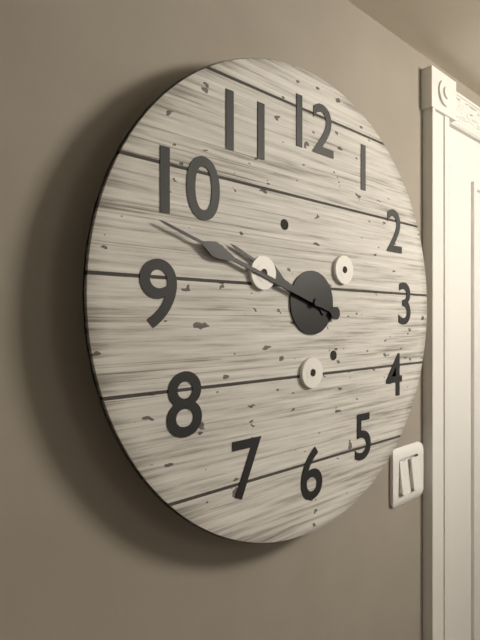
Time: {"hour": 9, "minute": 48}
